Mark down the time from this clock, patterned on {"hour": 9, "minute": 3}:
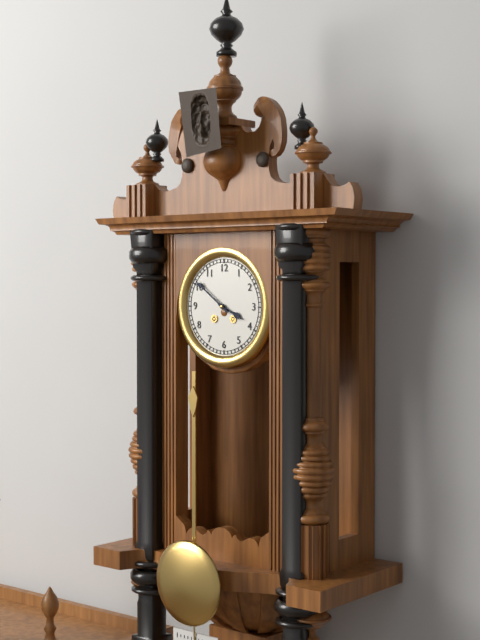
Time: {"hour": 3, "minute": 51}
